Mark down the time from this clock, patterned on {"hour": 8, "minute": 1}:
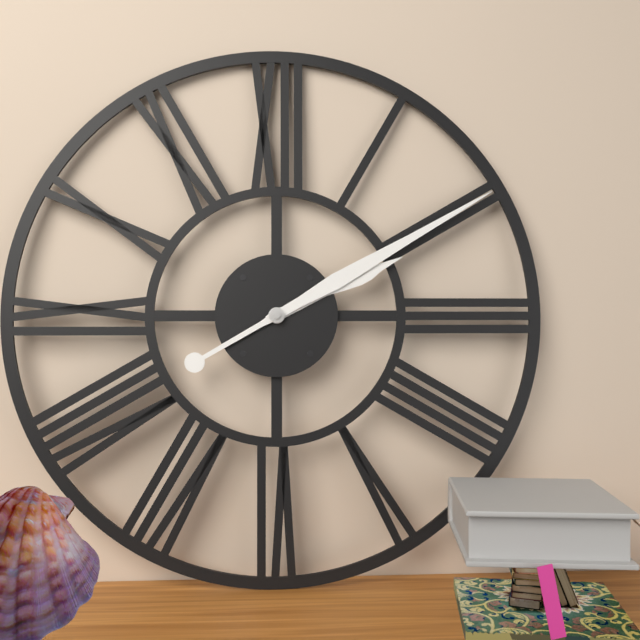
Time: {"hour": 2, "minute": 10}
